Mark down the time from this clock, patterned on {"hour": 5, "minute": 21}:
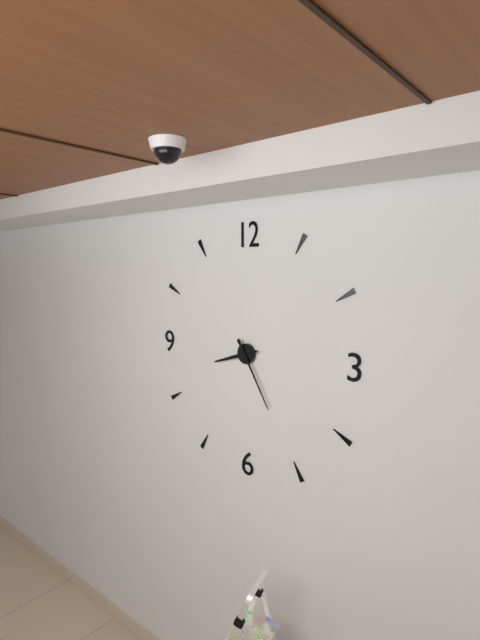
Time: {"hour": 8, "minute": 25}
